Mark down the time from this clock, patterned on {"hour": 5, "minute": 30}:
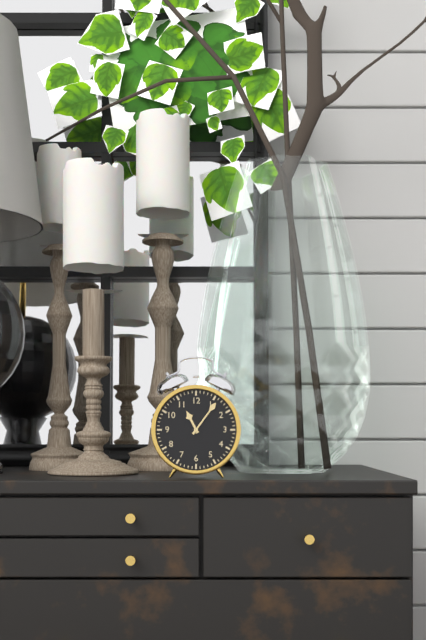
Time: {"hour": 11, "minute": 6}
